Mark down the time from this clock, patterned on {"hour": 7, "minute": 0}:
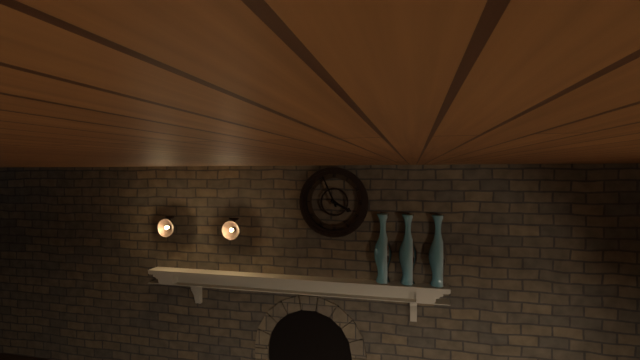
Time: {"hour": 3, "minute": 56}
